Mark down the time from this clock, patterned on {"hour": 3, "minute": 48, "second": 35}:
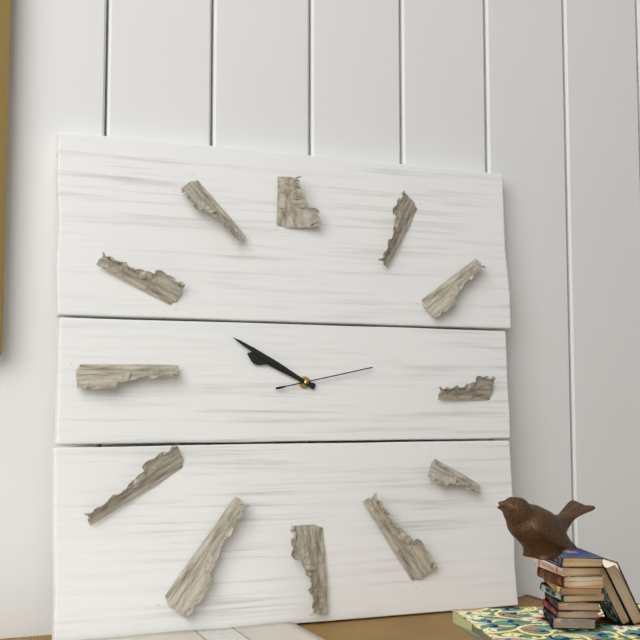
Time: {"hour": 9, "minute": 50, "second": 13}
